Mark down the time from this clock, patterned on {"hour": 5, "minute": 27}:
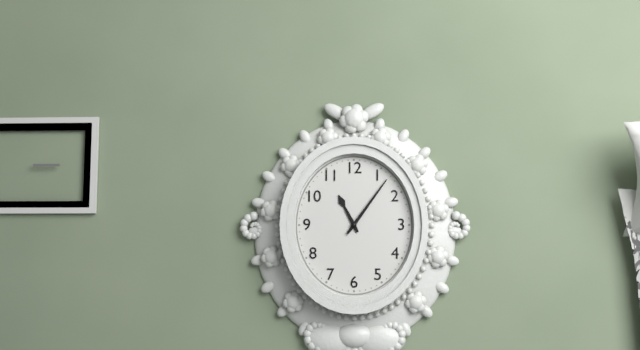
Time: {"hour": 11, "minute": 6}
